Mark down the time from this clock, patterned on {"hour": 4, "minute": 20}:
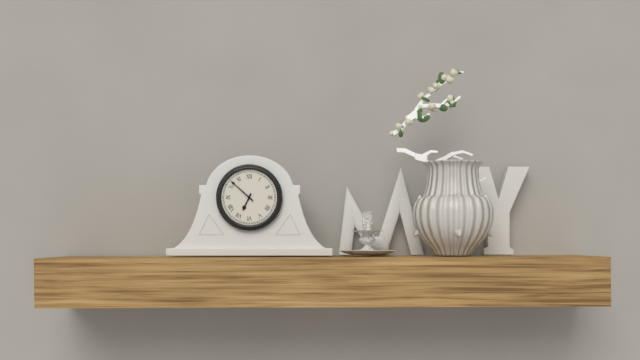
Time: {"hour": 6, "minute": 52}
